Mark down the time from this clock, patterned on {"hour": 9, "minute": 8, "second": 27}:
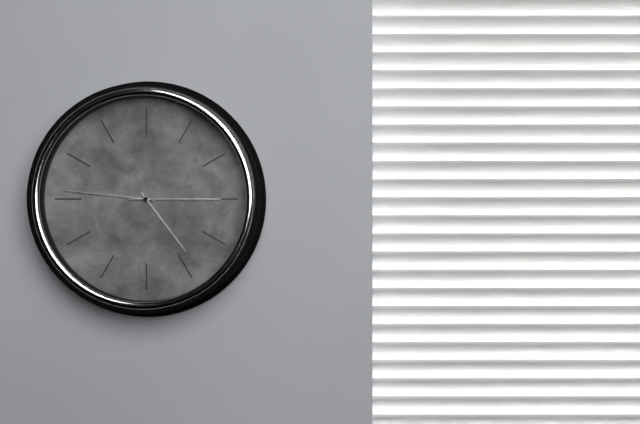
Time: {"hour": 4, "minute": 46, "second": 15}
